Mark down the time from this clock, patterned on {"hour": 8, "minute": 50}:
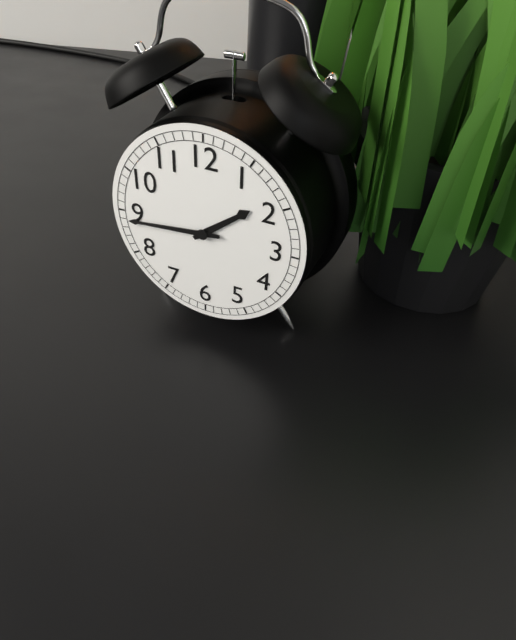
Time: {"hour": 1, "minute": 44}
